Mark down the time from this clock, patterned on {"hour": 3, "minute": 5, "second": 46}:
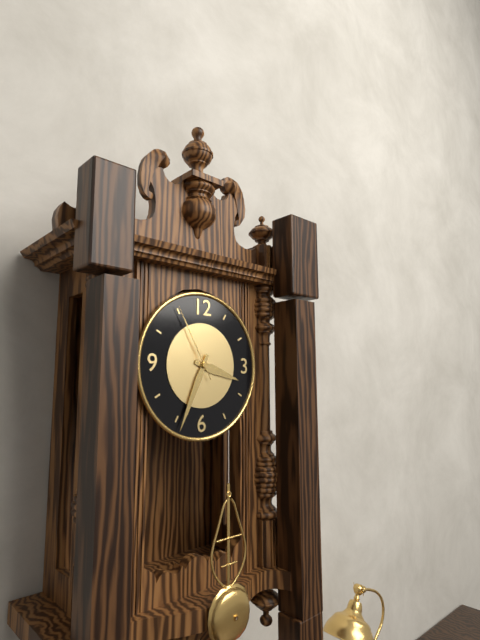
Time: {"hour": 3, "minute": 34, "second": 55}
